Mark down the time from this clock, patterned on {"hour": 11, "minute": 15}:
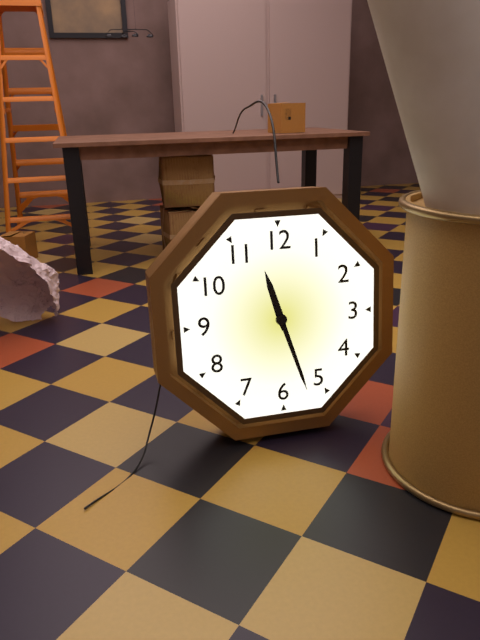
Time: {"hour": 11, "minute": 27}
